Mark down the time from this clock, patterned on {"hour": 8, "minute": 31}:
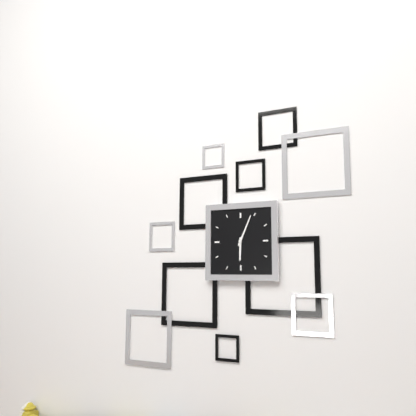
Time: {"hour": 6, "minute": 4}
